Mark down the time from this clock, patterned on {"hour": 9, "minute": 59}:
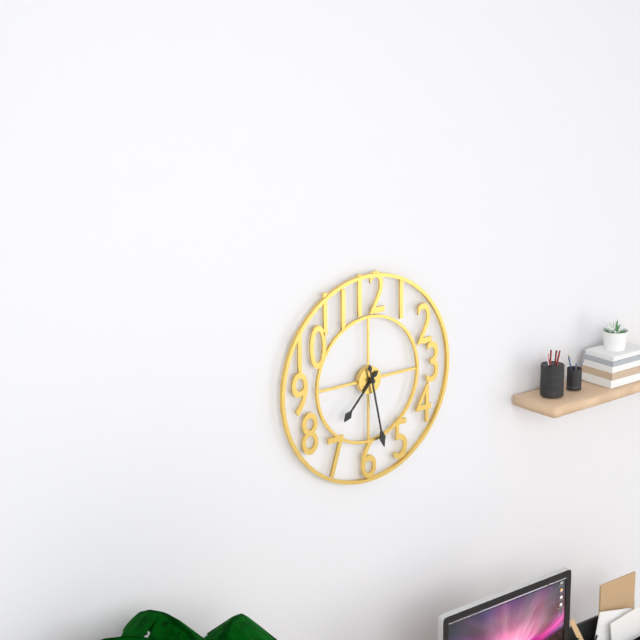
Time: {"hour": 7, "minute": 28}
